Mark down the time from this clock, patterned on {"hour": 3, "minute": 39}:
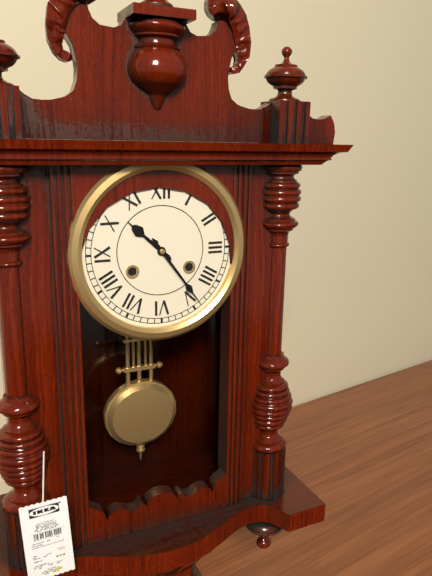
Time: {"hour": 10, "minute": 24}
